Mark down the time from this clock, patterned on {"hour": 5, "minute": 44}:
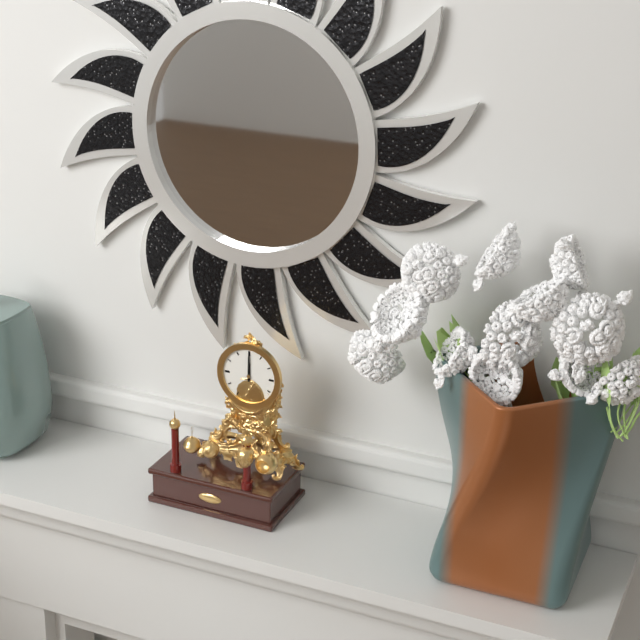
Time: {"hour": 12, "minute": 0}
